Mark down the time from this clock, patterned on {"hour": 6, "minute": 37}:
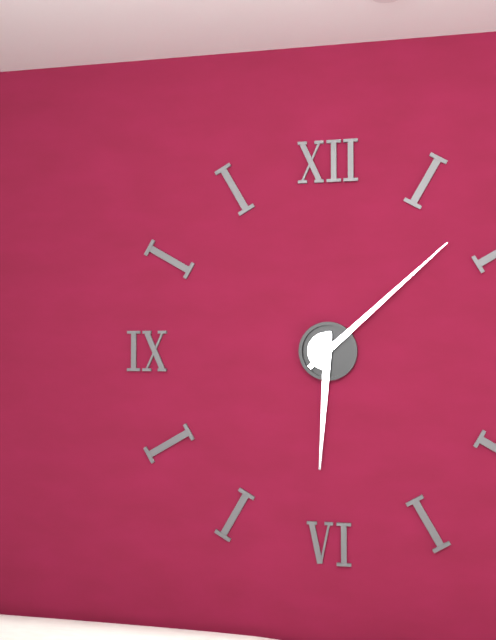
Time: {"hour": 6, "minute": 8}
